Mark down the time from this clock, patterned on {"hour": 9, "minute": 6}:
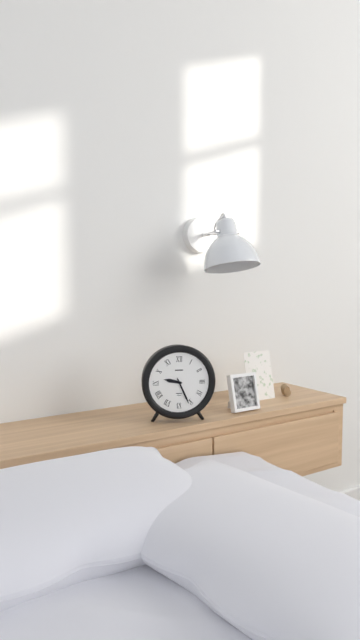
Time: {"hour": 9, "minute": 26}
